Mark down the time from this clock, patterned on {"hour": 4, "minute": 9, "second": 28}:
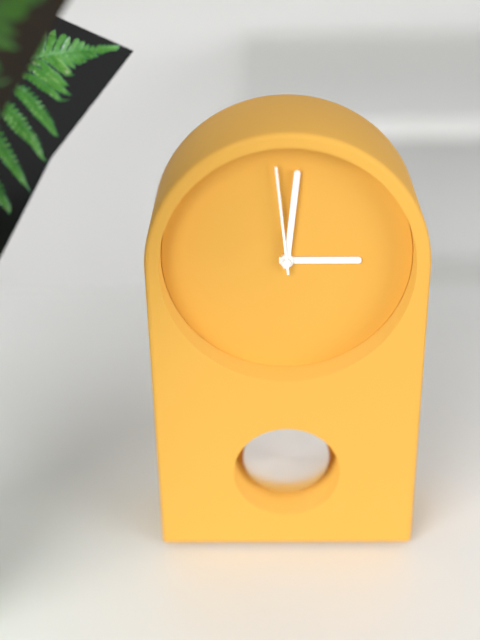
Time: {"hour": 3, "minute": 1, "second": 59}
